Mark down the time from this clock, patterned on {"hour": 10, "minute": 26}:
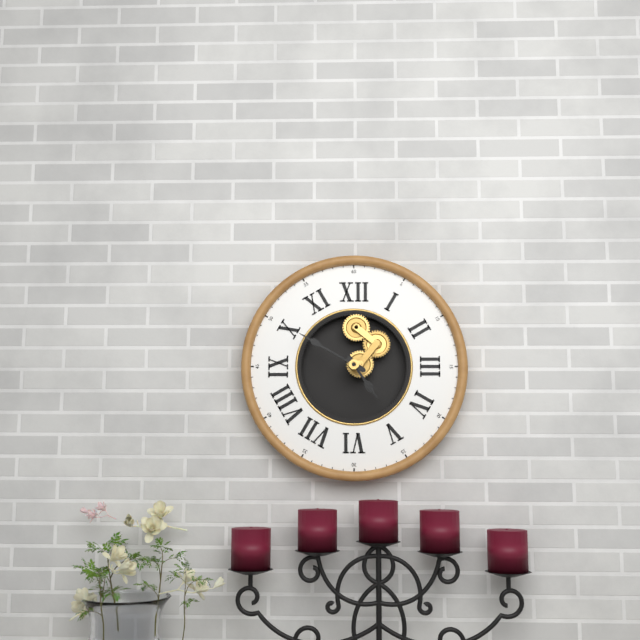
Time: {"hour": 4, "minute": 50}
